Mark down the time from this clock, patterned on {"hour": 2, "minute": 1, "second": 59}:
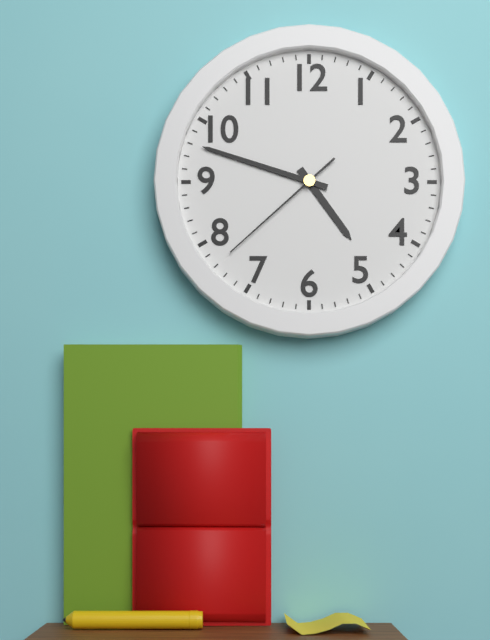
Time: {"hour": 4, "minute": 48, "second": 38}
